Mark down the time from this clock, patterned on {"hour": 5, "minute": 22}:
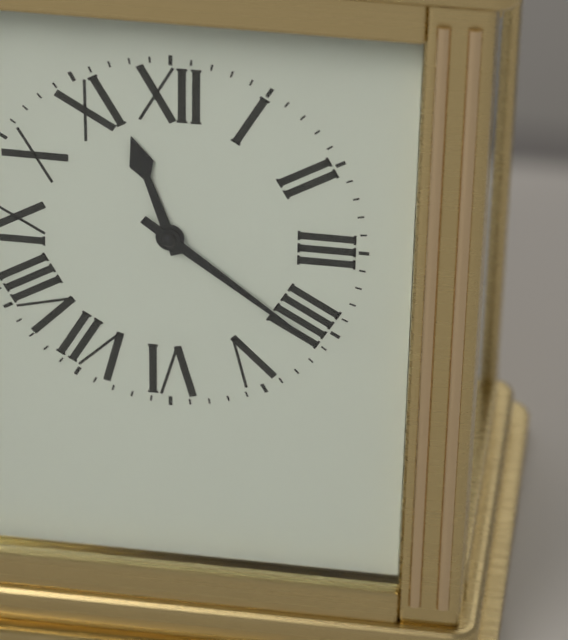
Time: {"hour": 11, "minute": 21}
